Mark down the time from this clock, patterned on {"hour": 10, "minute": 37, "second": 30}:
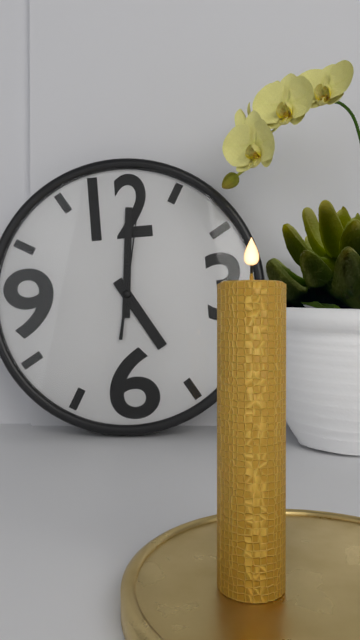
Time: {"hour": 5, "minute": 1, "second": 2}
